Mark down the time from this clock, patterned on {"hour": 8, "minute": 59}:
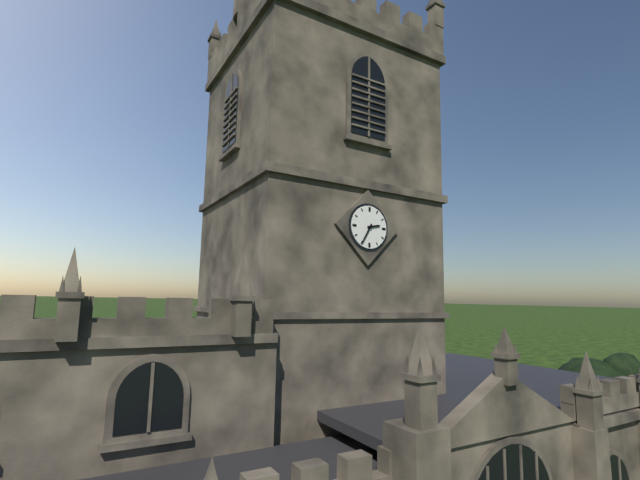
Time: {"hour": 2, "minute": 35}
